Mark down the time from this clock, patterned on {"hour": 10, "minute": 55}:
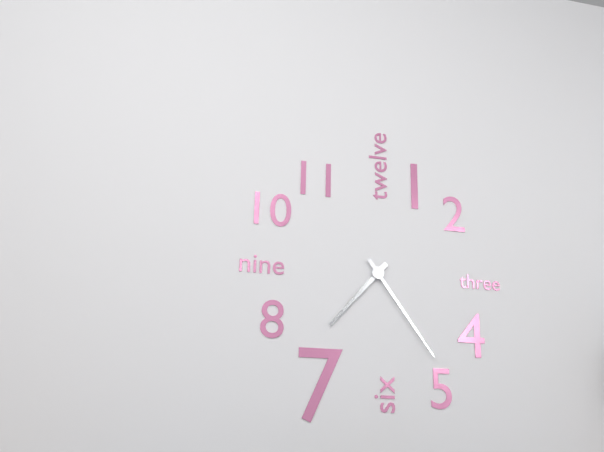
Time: {"hour": 7, "minute": 24}
